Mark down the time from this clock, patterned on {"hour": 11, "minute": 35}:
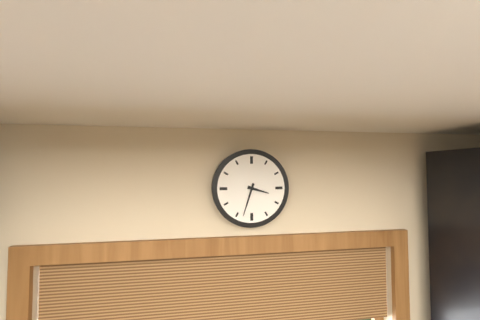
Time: {"hour": 3, "minute": 33}
